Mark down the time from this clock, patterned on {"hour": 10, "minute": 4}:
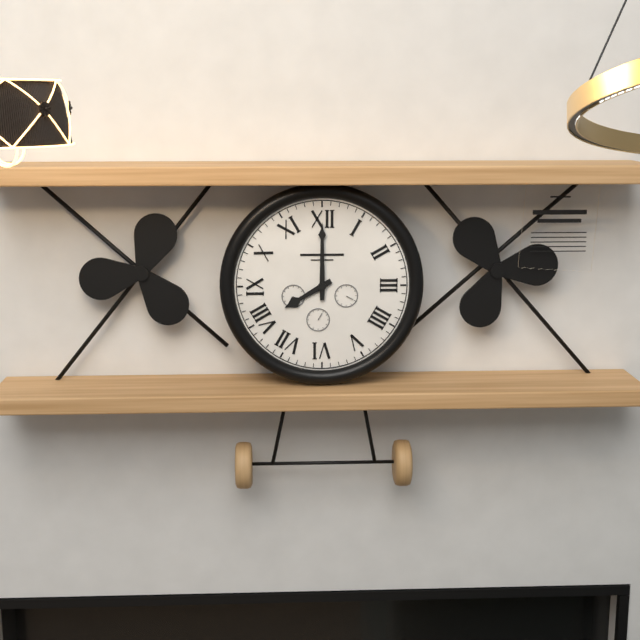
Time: {"hour": 8, "minute": 0}
